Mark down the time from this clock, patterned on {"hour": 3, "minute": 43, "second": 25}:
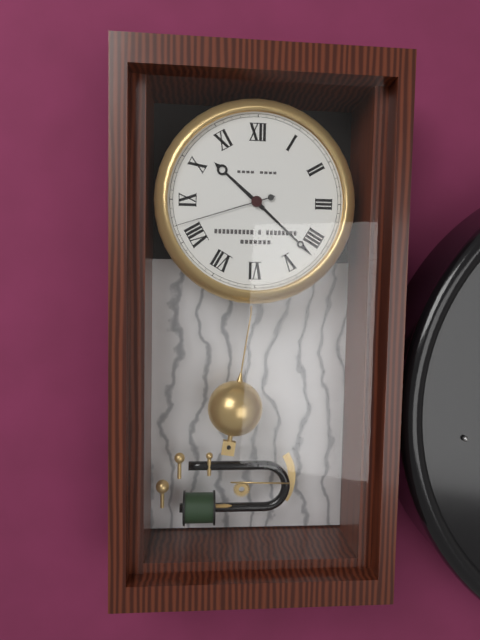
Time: {"hour": 10, "minute": 22, "second": 42}
